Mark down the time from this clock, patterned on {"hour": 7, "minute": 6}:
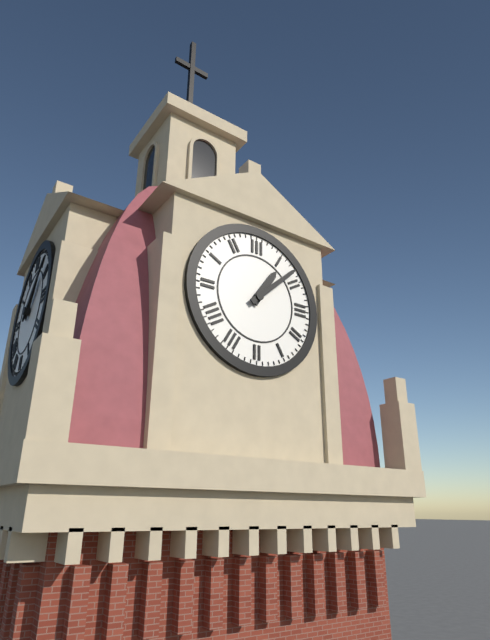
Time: {"hour": 1, "minute": 8}
